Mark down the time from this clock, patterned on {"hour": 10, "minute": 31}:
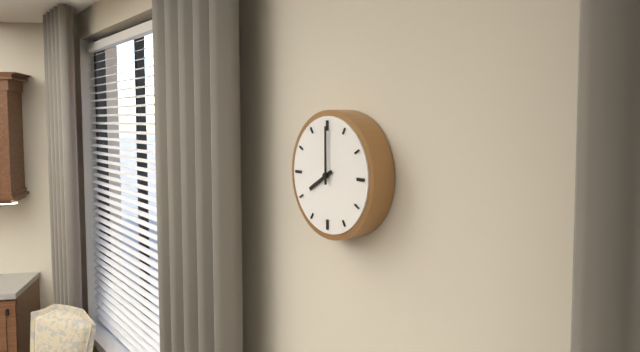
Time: {"hour": 8, "minute": 0}
